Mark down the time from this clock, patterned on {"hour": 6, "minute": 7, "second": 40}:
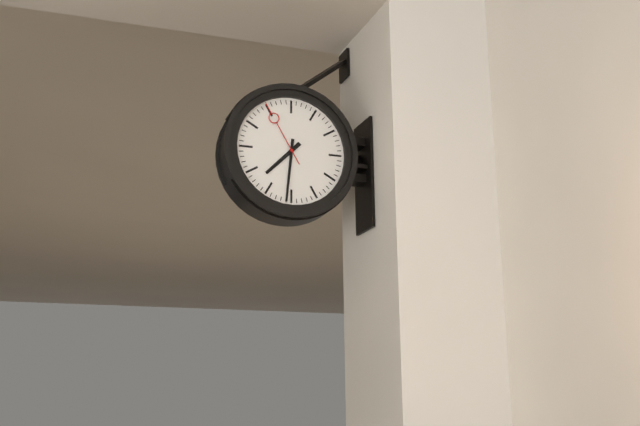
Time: {"hour": 7, "minute": 31, "second": 55}
